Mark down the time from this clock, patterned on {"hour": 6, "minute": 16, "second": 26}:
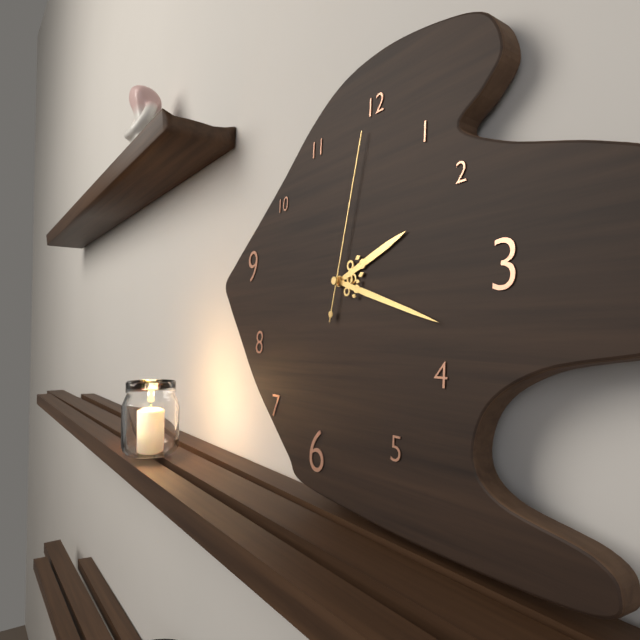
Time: {"hour": 2, "minute": 18, "second": 2}
